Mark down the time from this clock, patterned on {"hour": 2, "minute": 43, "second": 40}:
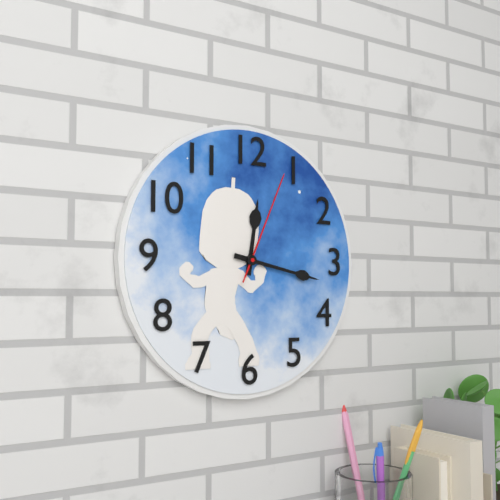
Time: {"hour": 12, "minute": 17, "second": 4}
